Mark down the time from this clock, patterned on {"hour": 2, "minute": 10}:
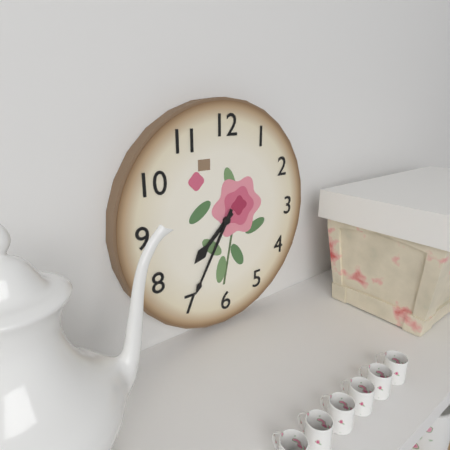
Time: {"hour": 7, "minute": 35}
